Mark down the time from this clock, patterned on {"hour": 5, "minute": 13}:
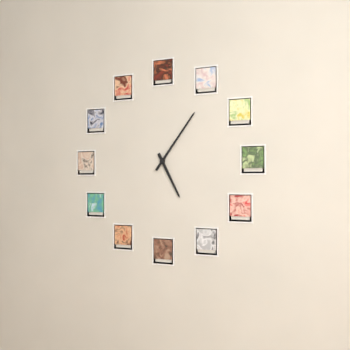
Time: {"hour": 5, "minute": 6}
